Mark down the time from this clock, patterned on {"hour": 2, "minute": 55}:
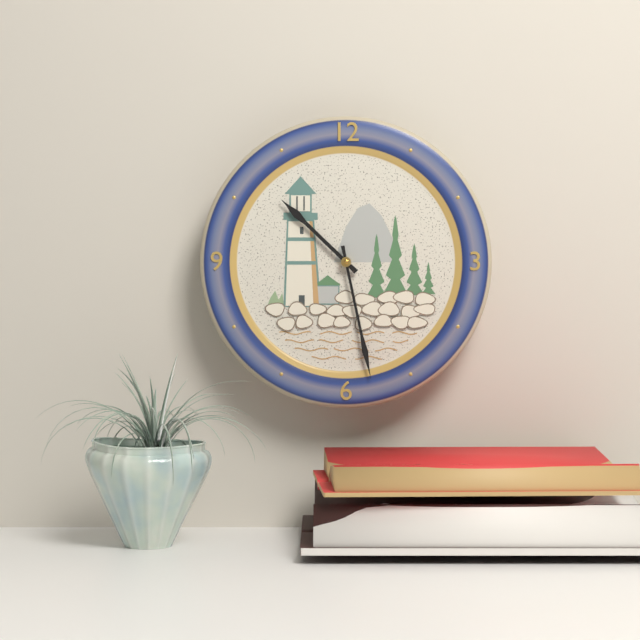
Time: {"hour": 10, "minute": 28}
